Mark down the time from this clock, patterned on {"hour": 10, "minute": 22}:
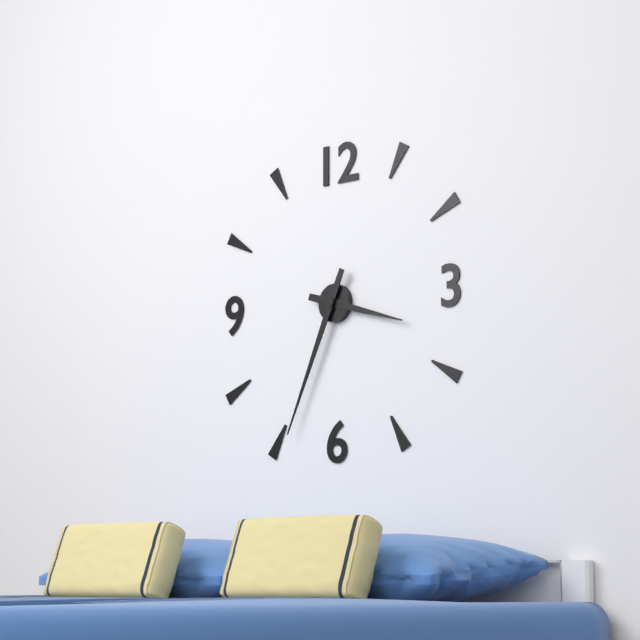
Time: {"hour": 3, "minute": 34}
